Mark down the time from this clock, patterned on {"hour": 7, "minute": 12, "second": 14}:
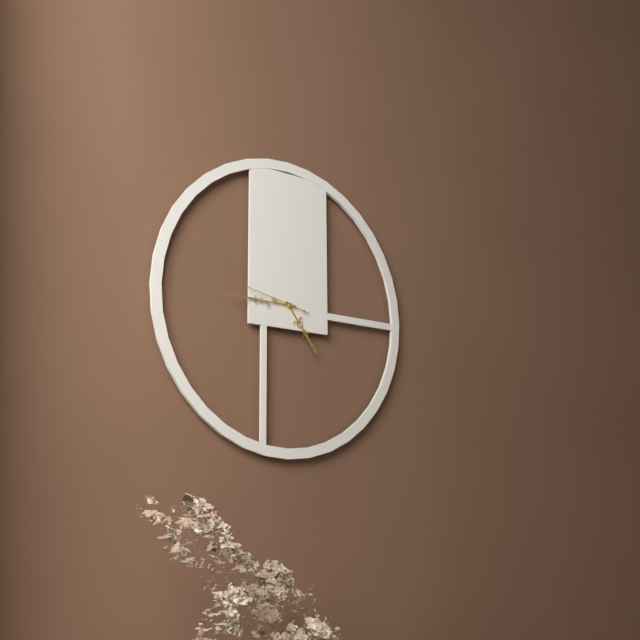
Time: {"hour": 4, "minute": 45, "second": 47}
